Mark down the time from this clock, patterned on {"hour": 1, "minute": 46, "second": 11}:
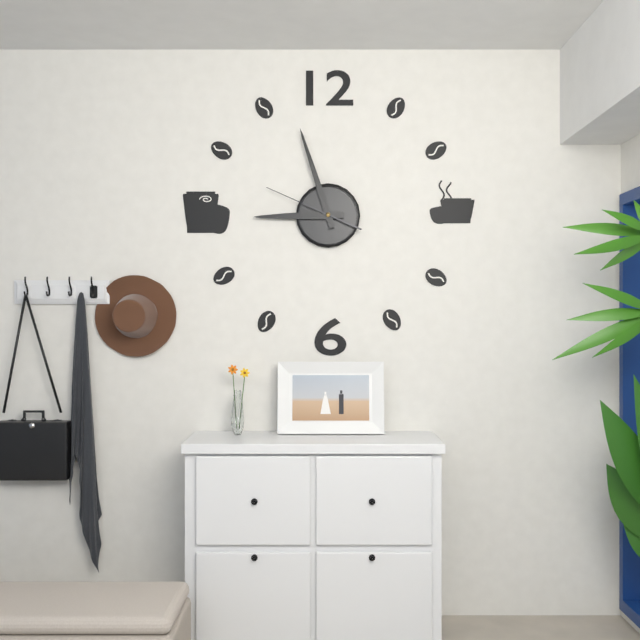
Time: {"hour": 8, "minute": 57, "second": 49}
